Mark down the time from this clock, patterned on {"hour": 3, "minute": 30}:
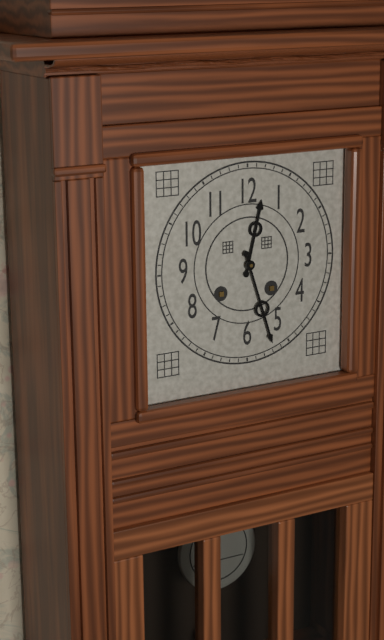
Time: {"hour": 12, "minute": 27}
